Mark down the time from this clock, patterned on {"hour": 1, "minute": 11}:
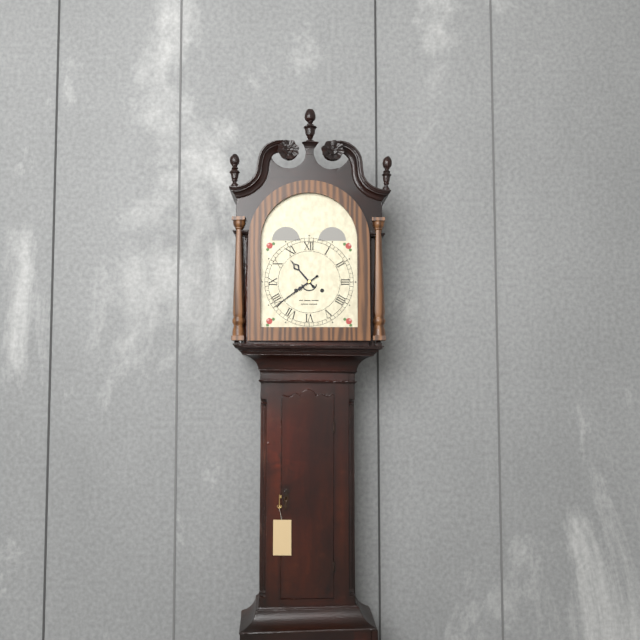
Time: {"hour": 10, "minute": 39}
